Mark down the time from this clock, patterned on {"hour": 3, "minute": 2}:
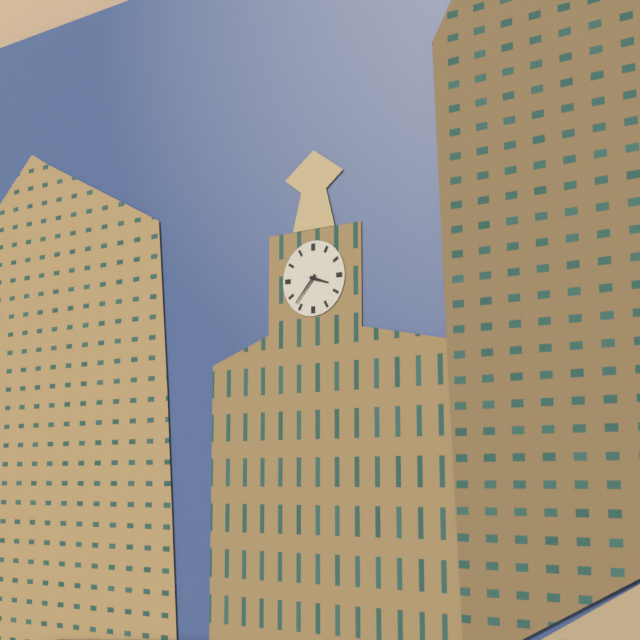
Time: {"hour": 3, "minute": 37}
